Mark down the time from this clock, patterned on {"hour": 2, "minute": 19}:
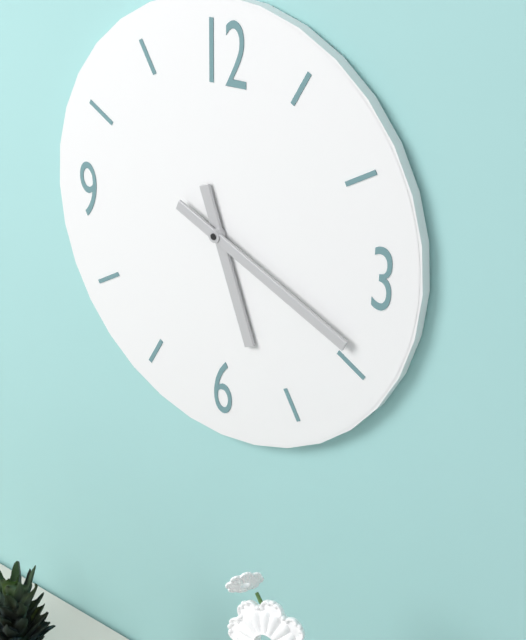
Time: {"hour": 5, "minute": 19}
